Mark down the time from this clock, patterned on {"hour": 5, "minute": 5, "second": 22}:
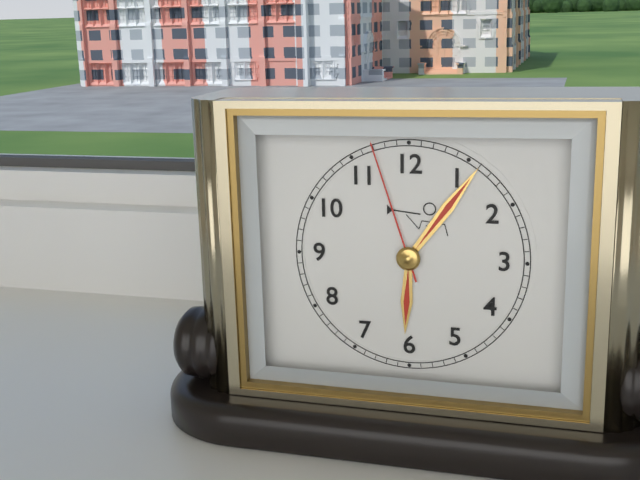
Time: {"hour": 6, "minute": 6, "second": 57}
